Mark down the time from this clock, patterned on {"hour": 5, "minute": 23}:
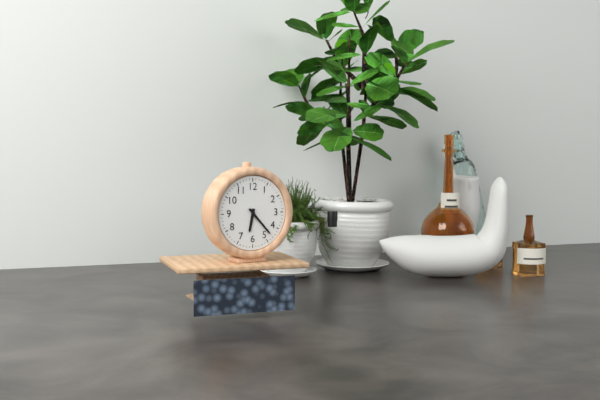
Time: {"hour": 6, "minute": 23}
